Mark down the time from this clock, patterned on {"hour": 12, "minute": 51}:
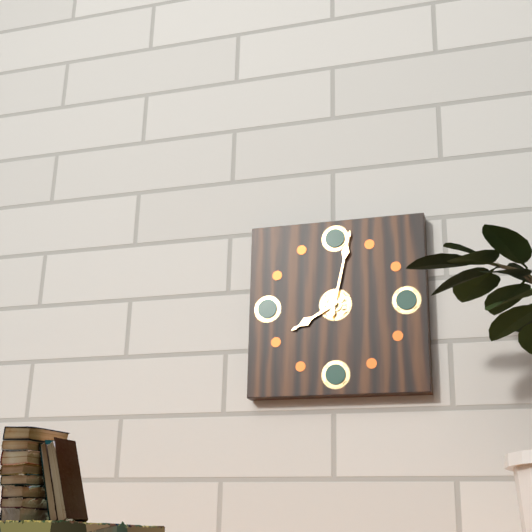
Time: {"hour": 8, "minute": 2}
